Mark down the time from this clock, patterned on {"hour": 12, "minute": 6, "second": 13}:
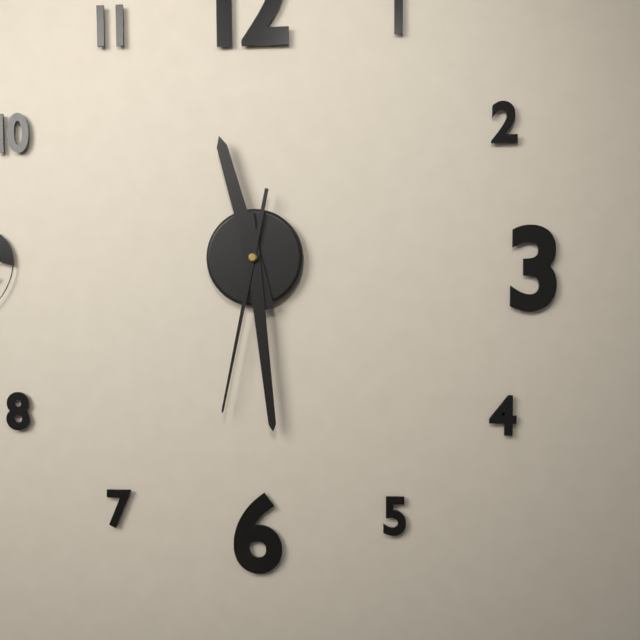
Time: {"hour": 11, "minute": 29, "second": 32}
